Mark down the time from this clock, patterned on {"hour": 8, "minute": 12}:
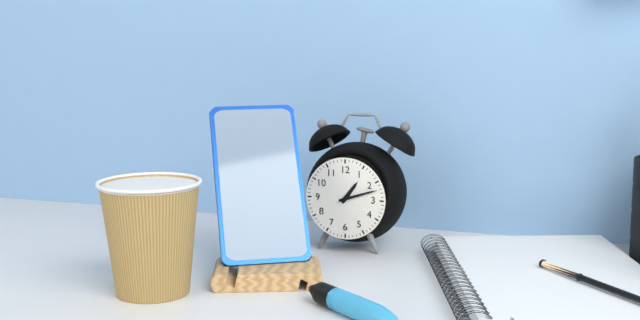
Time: {"hour": 1, "minute": 12}
